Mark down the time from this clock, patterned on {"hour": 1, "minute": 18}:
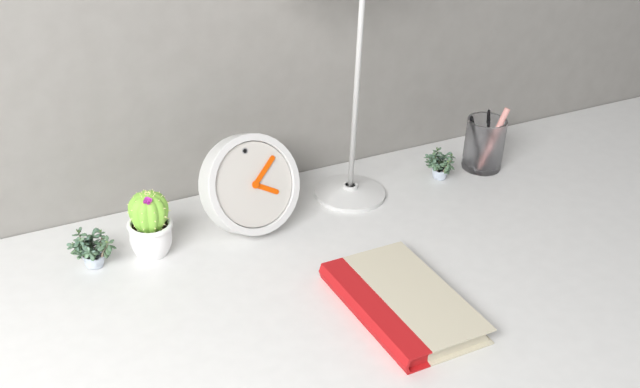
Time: {"hour": 4, "minute": 9}
